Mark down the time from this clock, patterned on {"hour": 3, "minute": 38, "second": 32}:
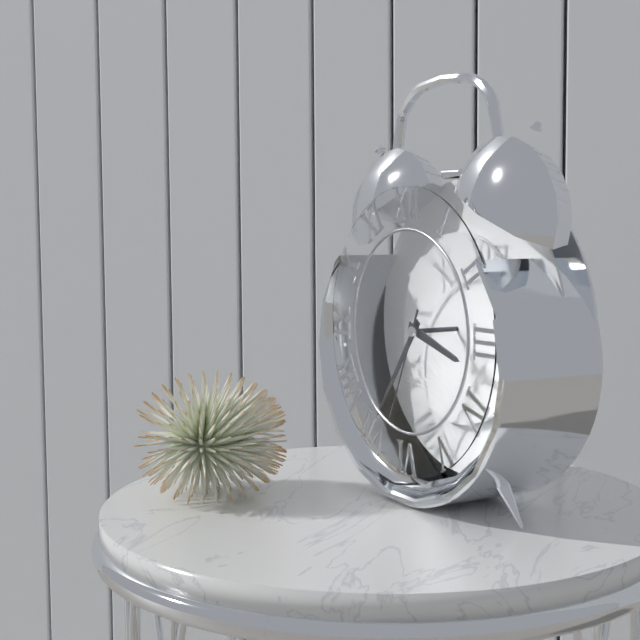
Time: {"hour": 3, "minute": 36, "second": 34}
